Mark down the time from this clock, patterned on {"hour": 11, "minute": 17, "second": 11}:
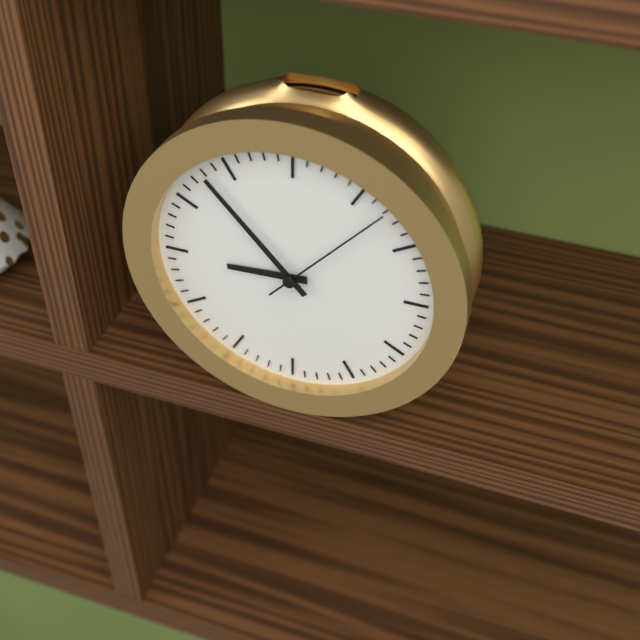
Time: {"hour": 8, "minute": 53, "second": 7}
